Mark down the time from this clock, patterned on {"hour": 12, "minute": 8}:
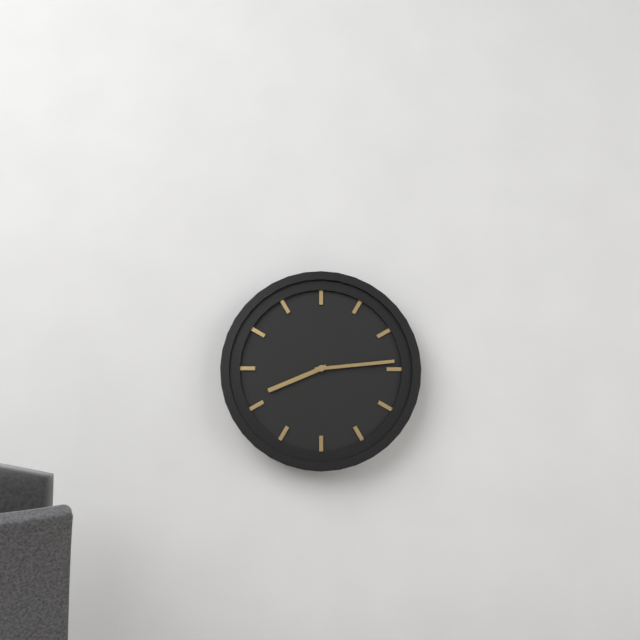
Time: {"hour": 8, "minute": 14}
